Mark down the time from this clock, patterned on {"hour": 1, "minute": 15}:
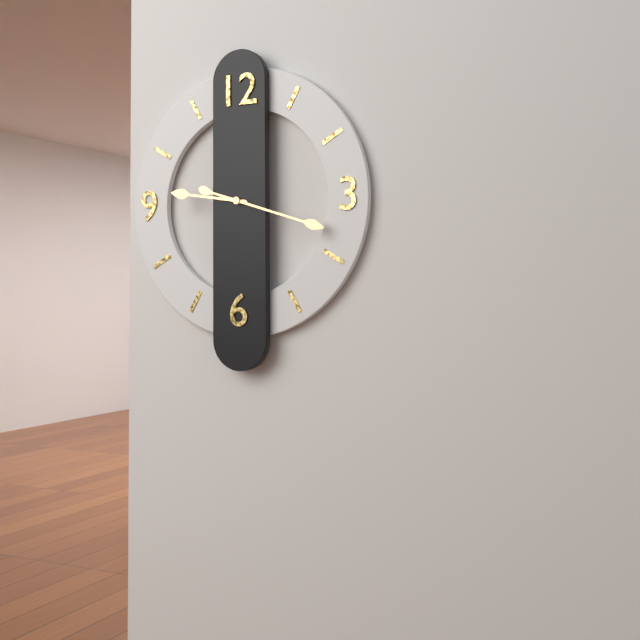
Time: {"hour": 9, "minute": 18}
